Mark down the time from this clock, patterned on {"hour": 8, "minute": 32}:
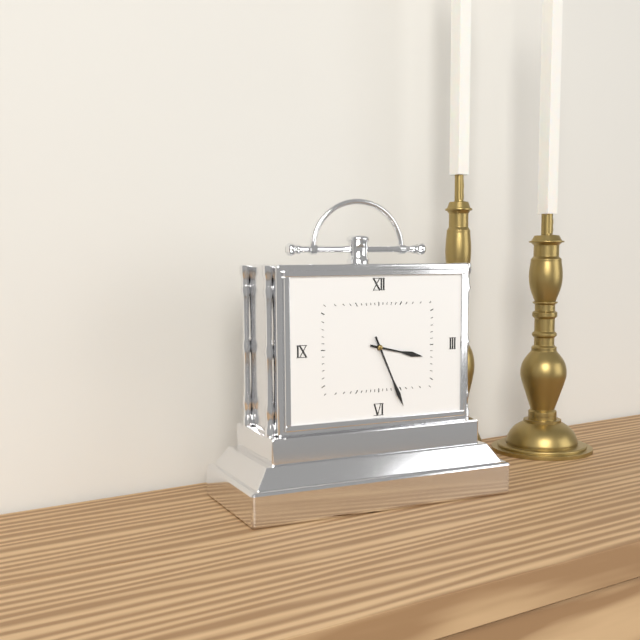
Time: {"hour": 3, "minute": 26}
